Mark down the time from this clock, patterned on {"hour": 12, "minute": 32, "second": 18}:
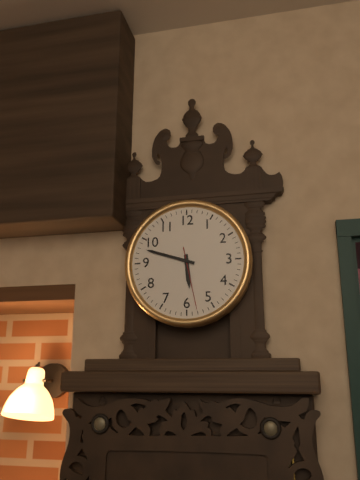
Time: {"hour": 5, "minute": 48, "second": 28}
